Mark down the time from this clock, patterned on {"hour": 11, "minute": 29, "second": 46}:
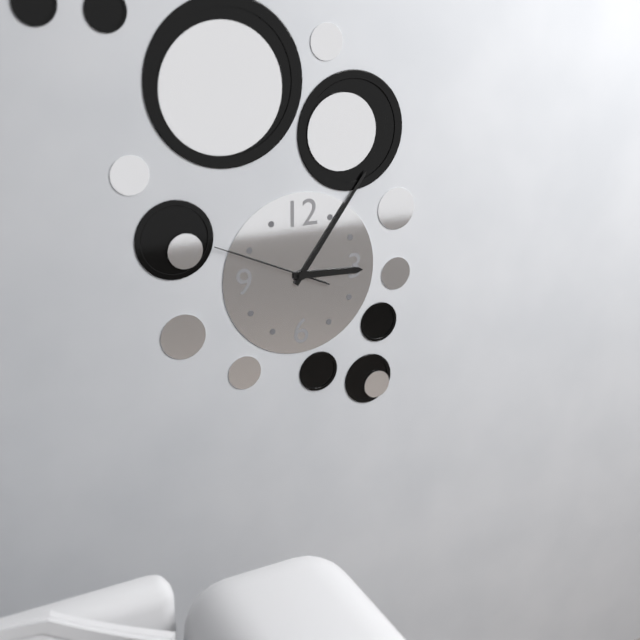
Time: {"hour": 3, "minute": 6, "second": 49}
